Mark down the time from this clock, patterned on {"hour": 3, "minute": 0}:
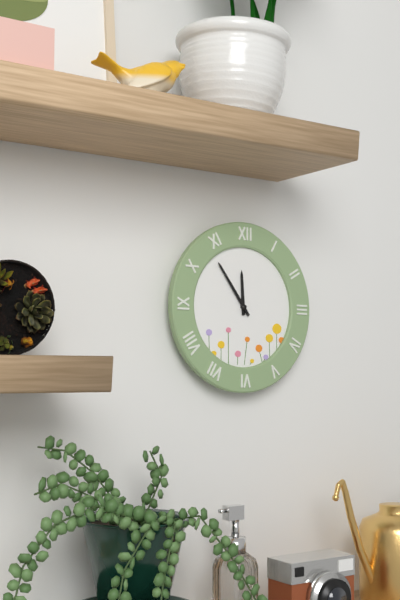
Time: {"hour": 11, "minute": 54}
